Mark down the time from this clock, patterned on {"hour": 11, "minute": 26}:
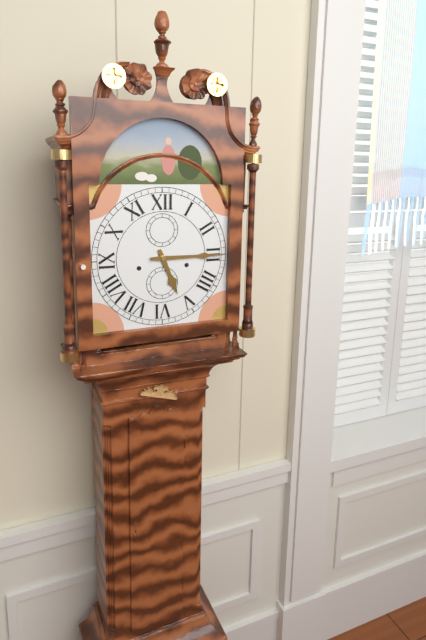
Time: {"hour": 5, "minute": 15}
